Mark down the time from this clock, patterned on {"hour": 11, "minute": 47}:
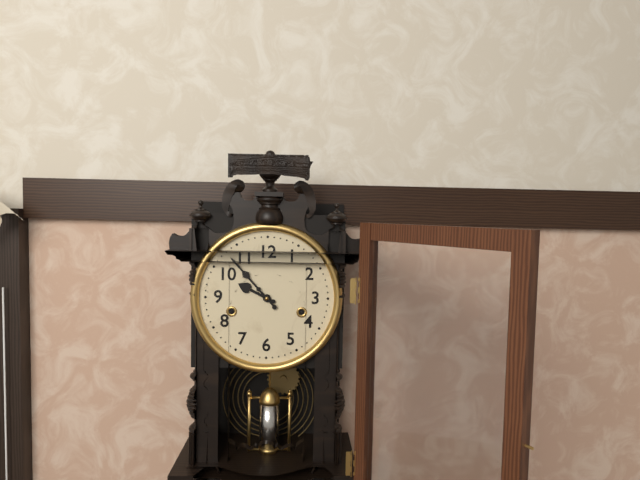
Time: {"hour": 9, "minute": 53}
